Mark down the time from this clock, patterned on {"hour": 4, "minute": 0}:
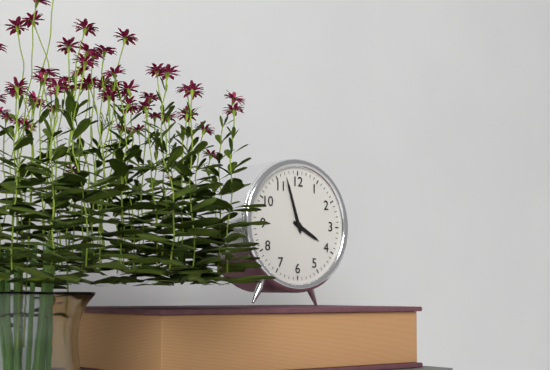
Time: {"hour": 3, "minute": 57}
